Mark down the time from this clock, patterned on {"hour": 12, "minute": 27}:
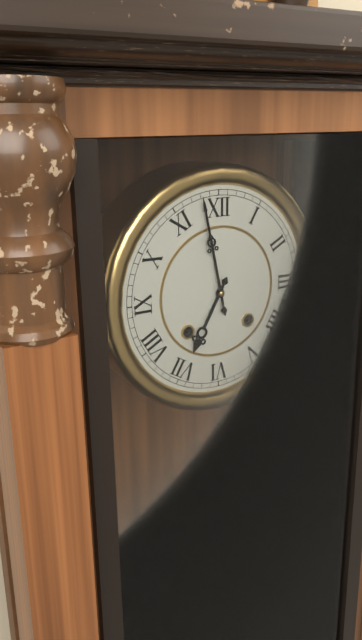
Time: {"hour": 6, "minute": 58}
